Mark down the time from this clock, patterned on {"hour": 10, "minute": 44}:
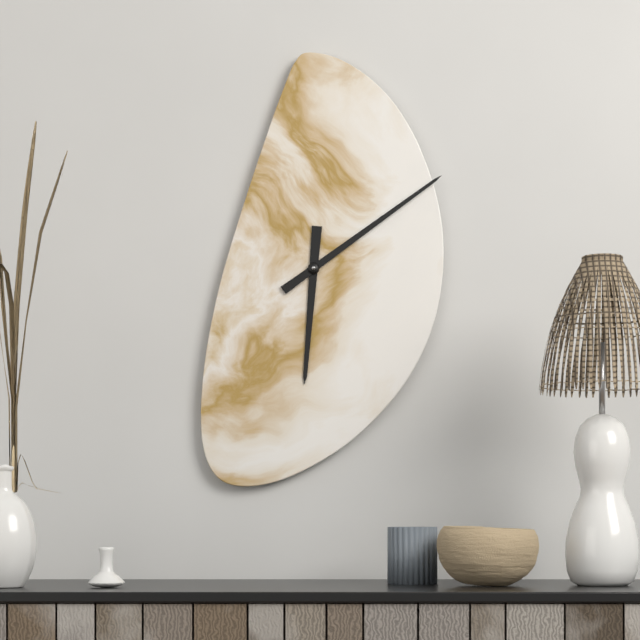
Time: {"hour": 6, "minute": 9}
